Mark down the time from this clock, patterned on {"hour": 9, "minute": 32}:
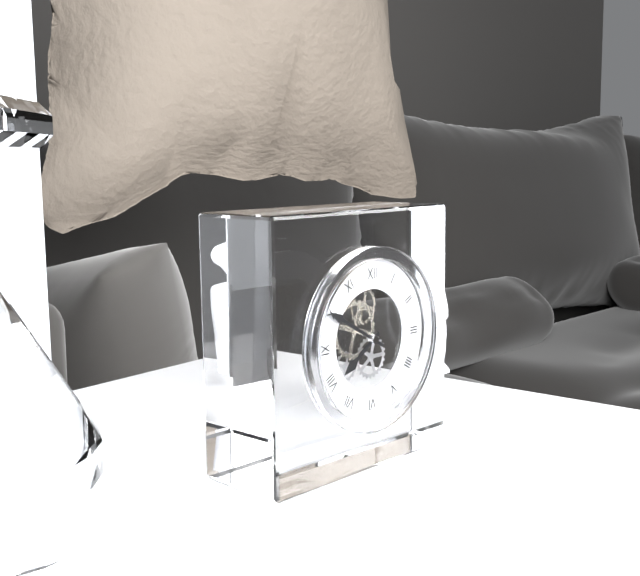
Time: {"hour": 7, "minute": 50}
